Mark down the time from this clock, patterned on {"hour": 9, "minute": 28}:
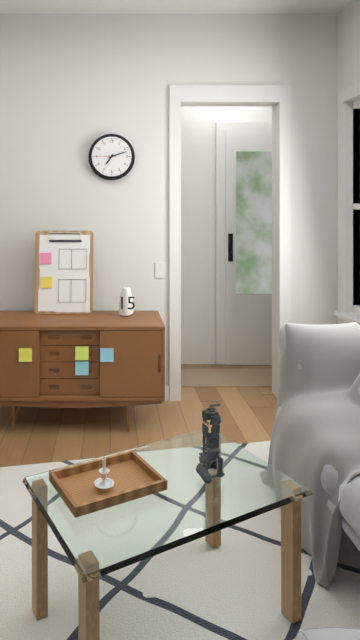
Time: {"hour": 7, "minute": 12}
